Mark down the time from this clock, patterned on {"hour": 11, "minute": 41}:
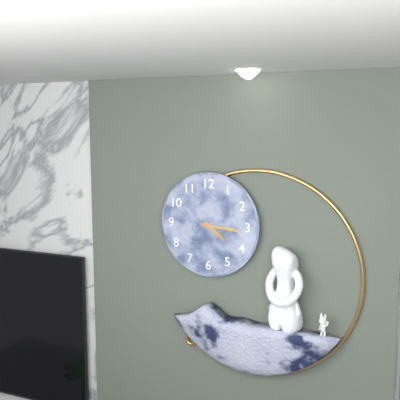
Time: {"hour": 4, "minute": 16}
